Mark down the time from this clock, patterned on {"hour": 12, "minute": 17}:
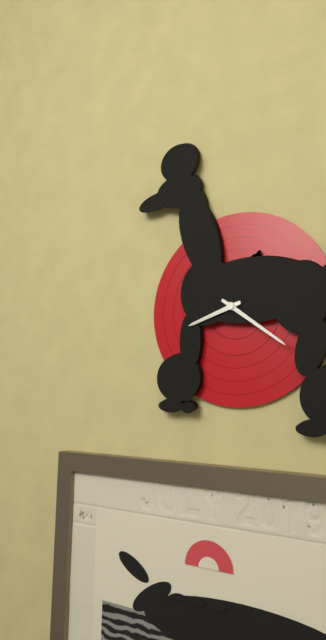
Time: {"hour": 8, "minute": 21}
